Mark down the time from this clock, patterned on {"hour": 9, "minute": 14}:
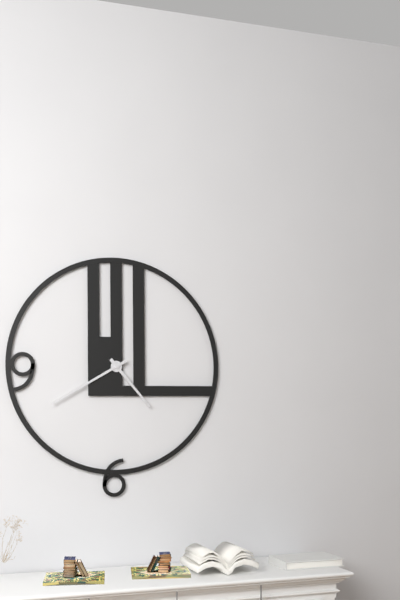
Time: {"hour": 4, "minute": 40}
